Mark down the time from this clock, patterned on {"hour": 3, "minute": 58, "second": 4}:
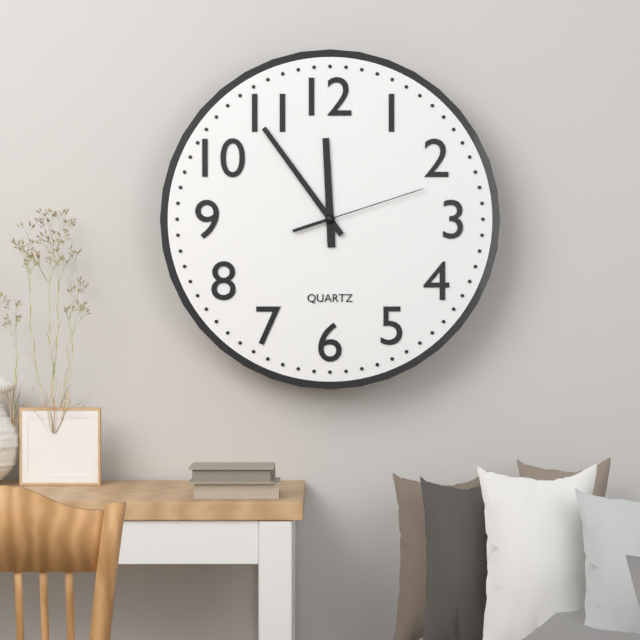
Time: {"hour": 11, "minute": 54, "second": 12}
